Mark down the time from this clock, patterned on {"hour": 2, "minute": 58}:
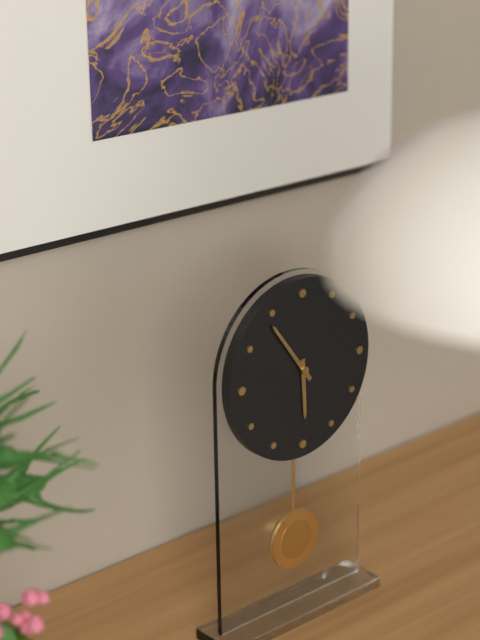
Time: {"hour": 5, "minute": 54}
